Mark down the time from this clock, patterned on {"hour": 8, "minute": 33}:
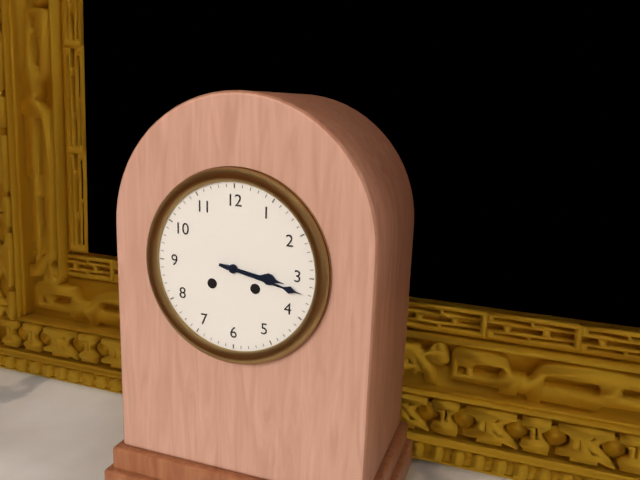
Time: {"hour": 3, "minute": 17}
